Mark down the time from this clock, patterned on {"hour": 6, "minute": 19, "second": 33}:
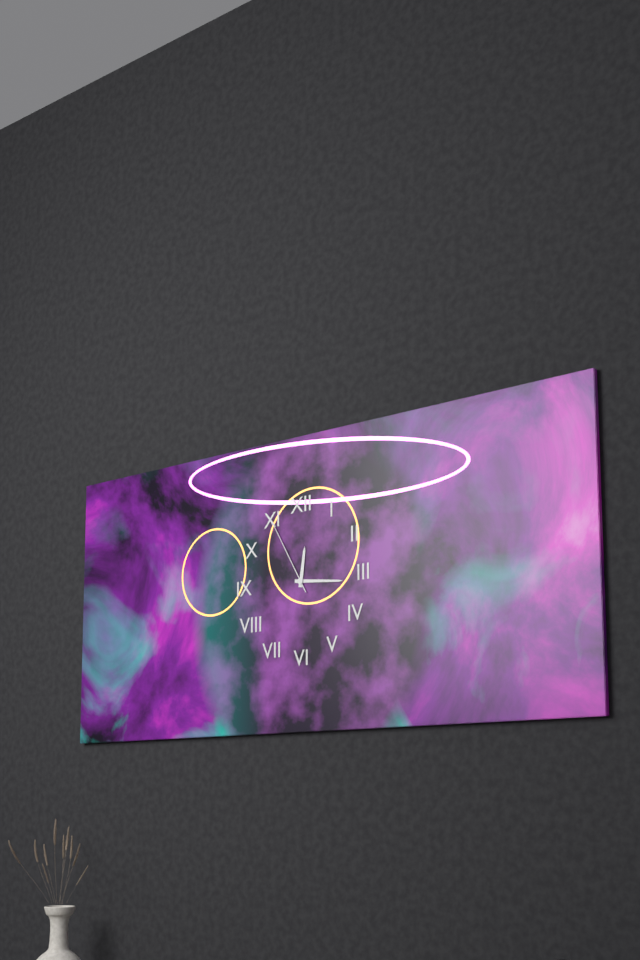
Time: {"hour": 12, "minute": 16, "second": 55}
